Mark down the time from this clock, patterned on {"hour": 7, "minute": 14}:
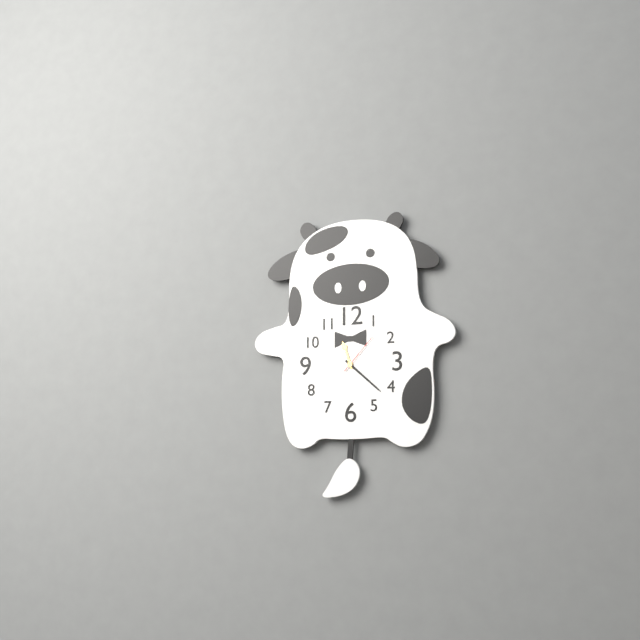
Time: {"hour": 11, "minute": 22}
